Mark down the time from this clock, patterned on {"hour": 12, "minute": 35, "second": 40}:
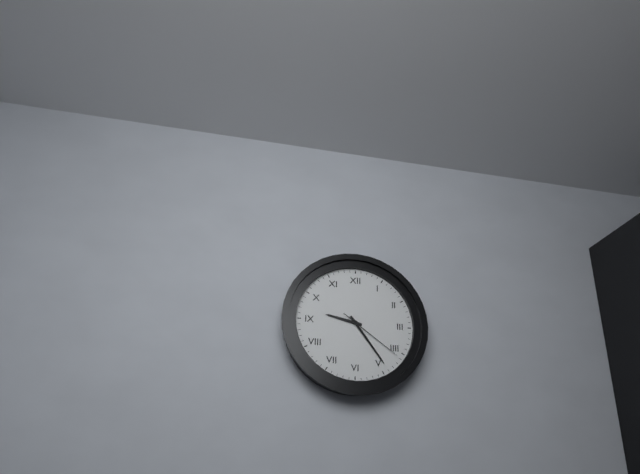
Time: {"hour": 9, "minute": 24, "second": 21}
